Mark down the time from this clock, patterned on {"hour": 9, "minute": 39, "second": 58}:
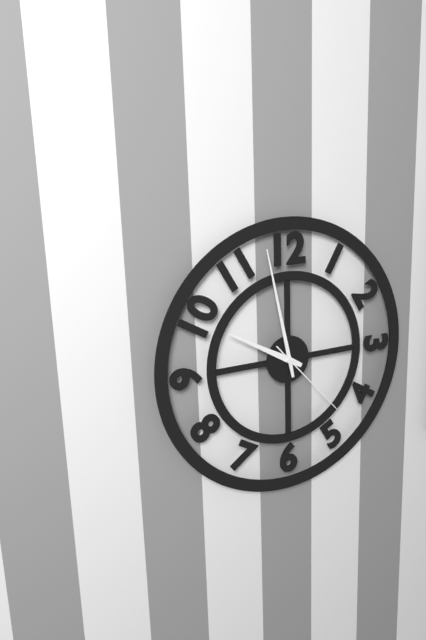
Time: {"hour": 9, "minute": 58, "second": 23}
